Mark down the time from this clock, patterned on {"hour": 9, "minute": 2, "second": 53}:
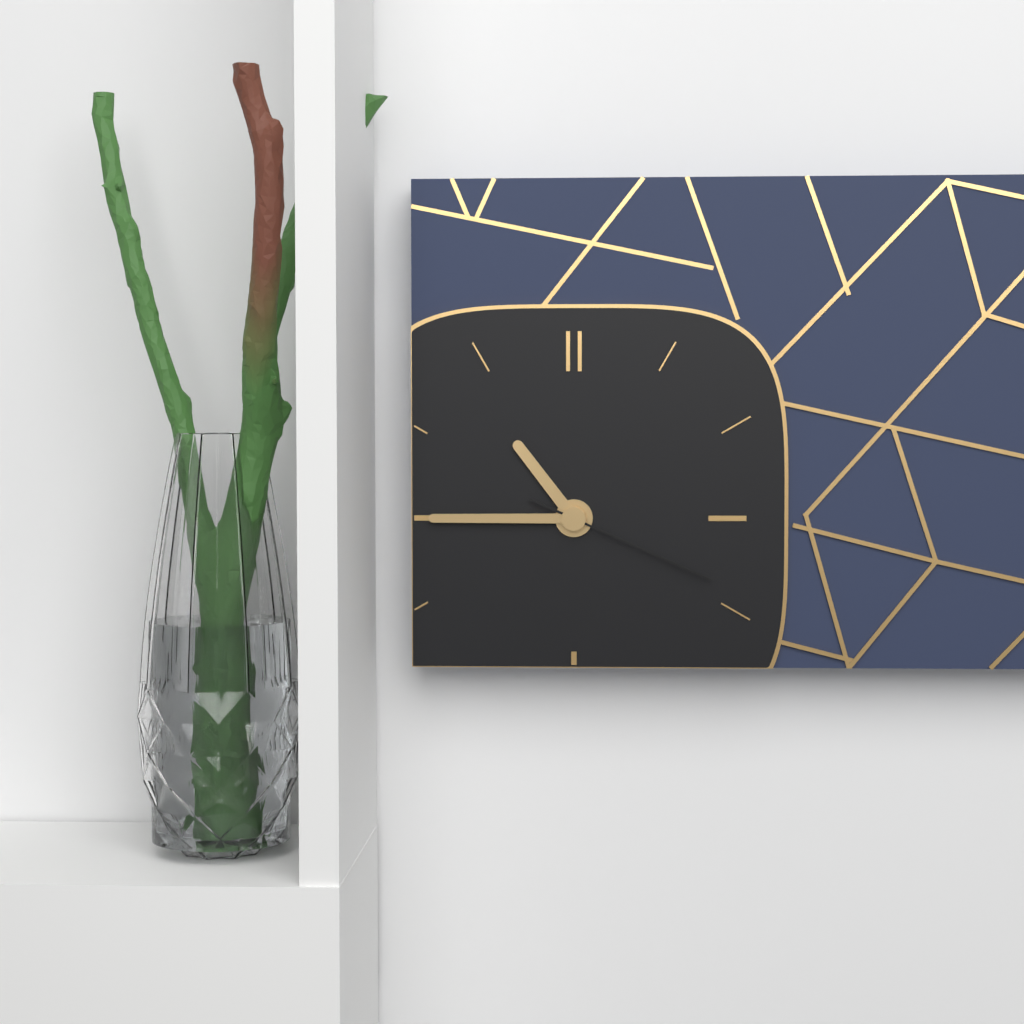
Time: {"hour": 10, "minute": 45, "second": 19}
